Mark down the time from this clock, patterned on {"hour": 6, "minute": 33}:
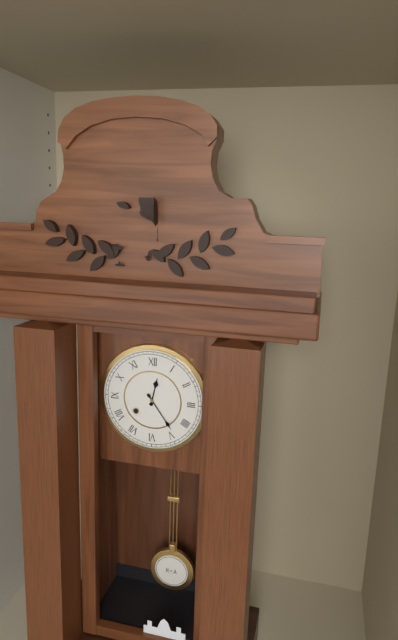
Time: {"hour": 12, "minute": 24}
